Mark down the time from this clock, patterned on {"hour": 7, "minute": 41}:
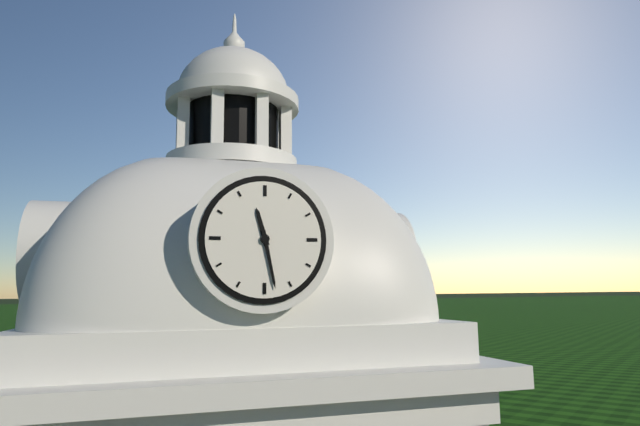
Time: {"hour": 11, "minute": 28}
